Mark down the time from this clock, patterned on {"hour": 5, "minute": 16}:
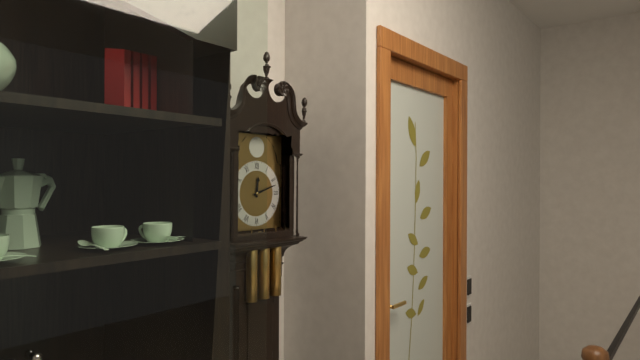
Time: {"hour": 12, "minute": 12}
